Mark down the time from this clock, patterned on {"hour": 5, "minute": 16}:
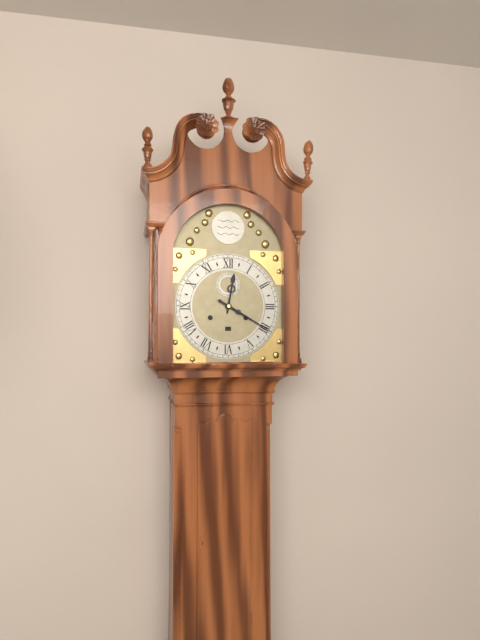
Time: {"hour": 12, "minute": 20}
